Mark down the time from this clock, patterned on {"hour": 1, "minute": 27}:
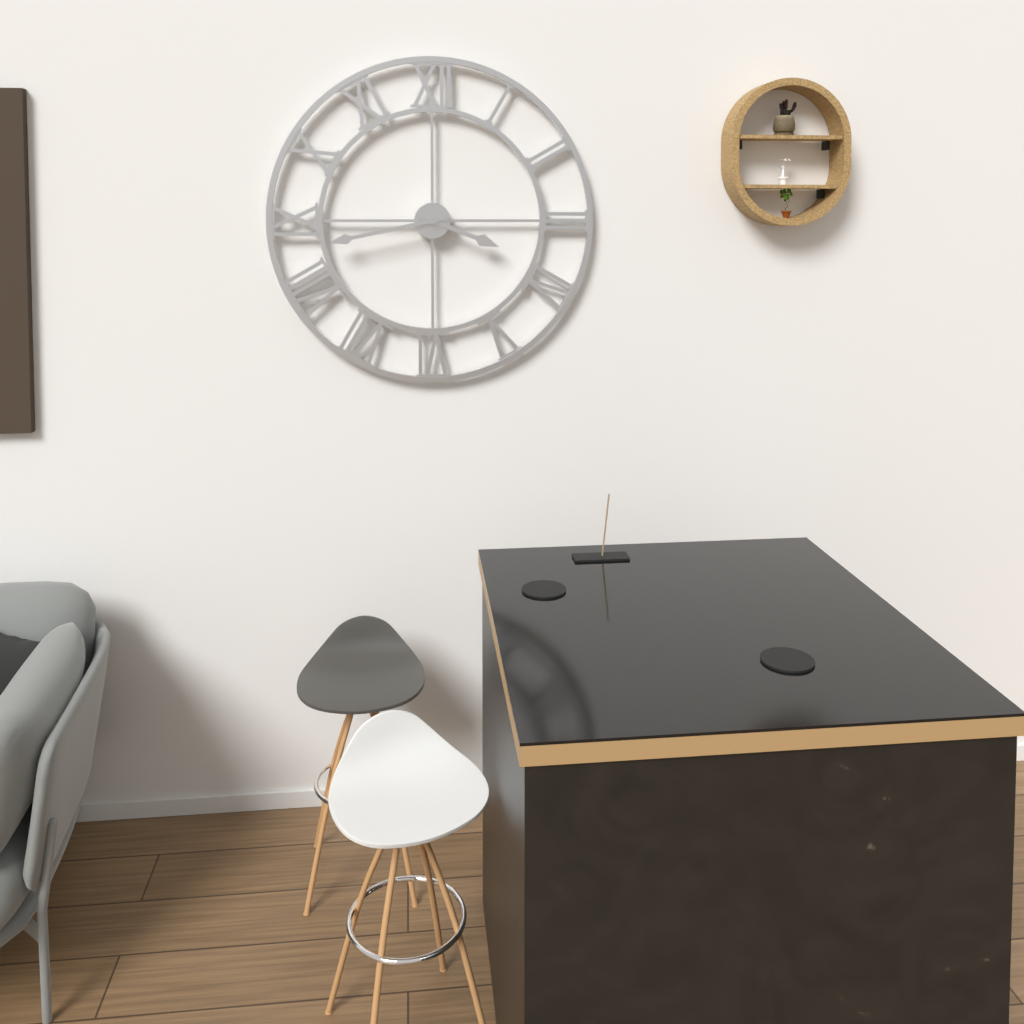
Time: {"hour": 3, "minute": 43}
